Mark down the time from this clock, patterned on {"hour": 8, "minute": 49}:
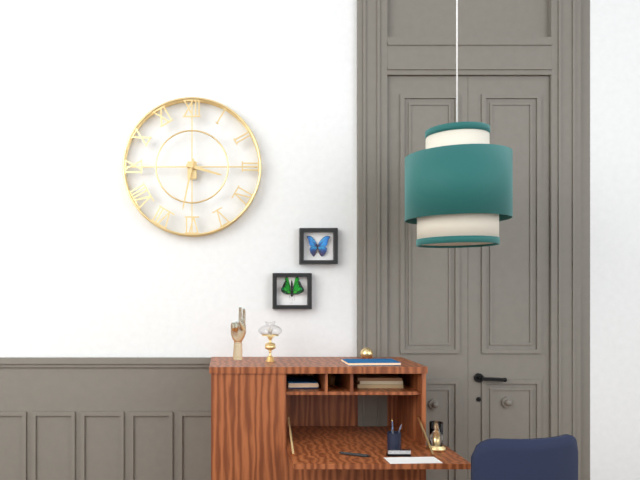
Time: {"hour": 3, "minute": 32}
